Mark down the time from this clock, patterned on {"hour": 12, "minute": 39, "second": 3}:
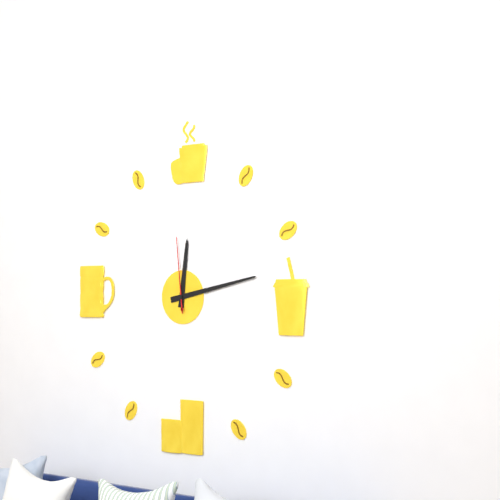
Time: {"hour": 12, "minute": 13, "second": 59}
